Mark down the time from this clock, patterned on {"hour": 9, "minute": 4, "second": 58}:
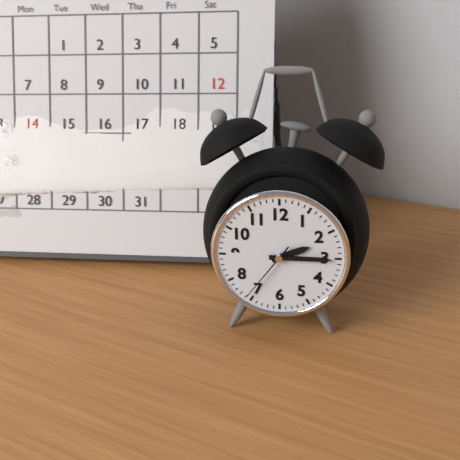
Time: {"hour": 2, "minute": 15, "second": 36}
